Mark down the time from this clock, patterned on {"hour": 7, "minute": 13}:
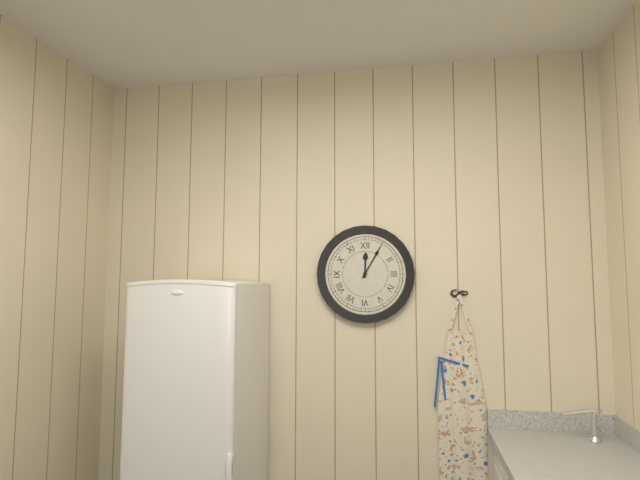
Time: {"hour": 12, "minute": 5}
